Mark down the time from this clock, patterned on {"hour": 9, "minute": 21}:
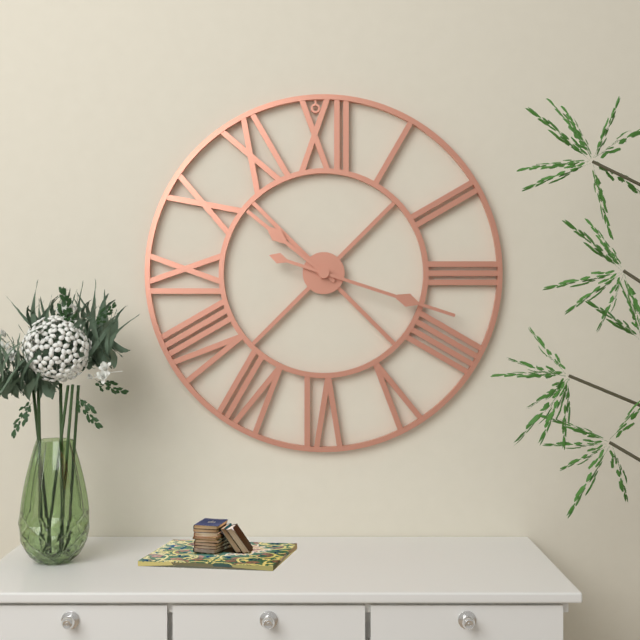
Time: {"hour": 10, "minute": 18}
